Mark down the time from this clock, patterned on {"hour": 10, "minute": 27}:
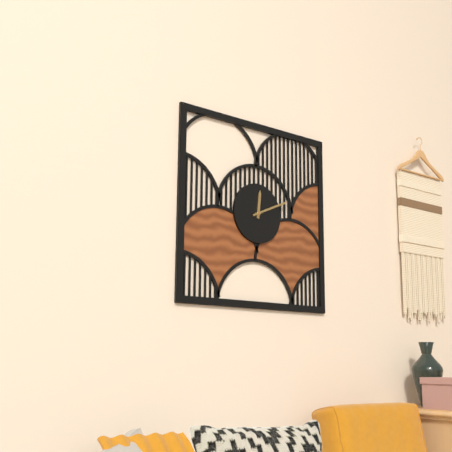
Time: {"hour": 12, "minute": 11}
